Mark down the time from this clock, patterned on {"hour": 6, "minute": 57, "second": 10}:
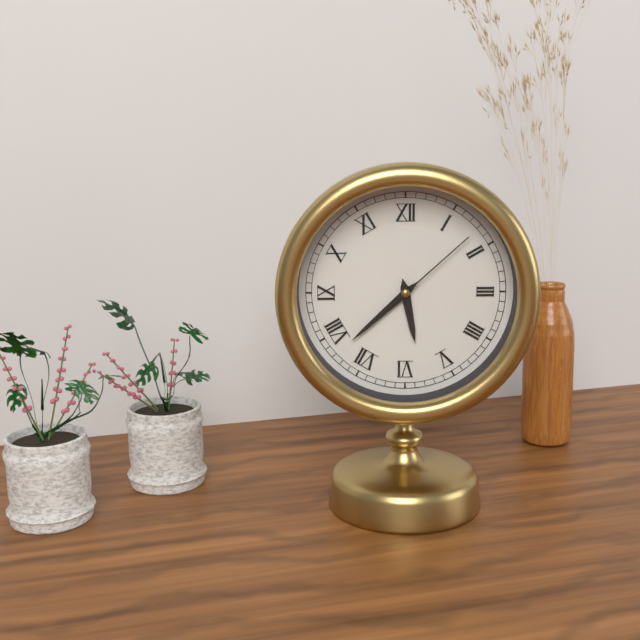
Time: {"hour": 5, "minute": 38, "second": 8}
